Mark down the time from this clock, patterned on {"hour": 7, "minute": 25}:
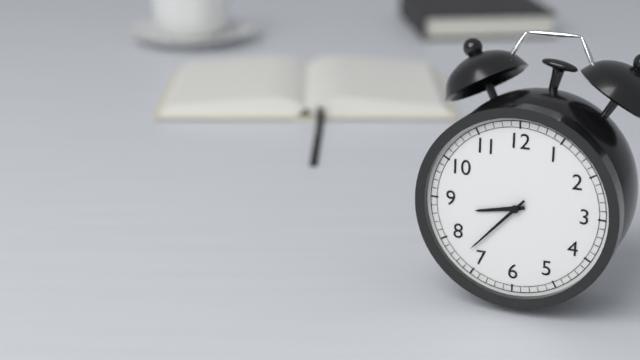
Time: {"hour": 8, "minute": 37}
